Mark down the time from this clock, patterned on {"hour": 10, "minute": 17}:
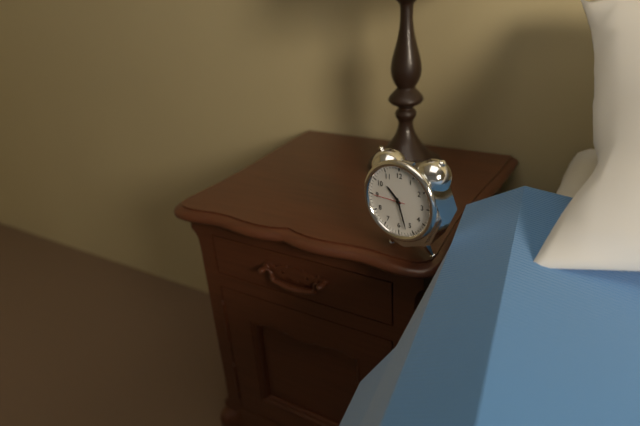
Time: {"hour": 10, "minute": 27}
